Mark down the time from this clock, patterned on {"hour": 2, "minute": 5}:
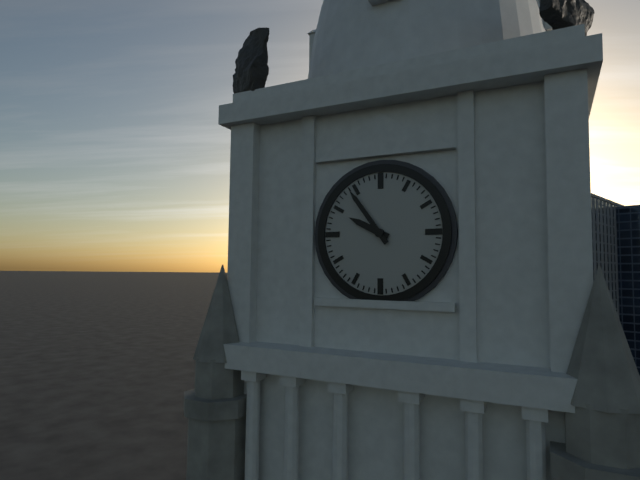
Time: {"hour": 9, "minute": 54}
